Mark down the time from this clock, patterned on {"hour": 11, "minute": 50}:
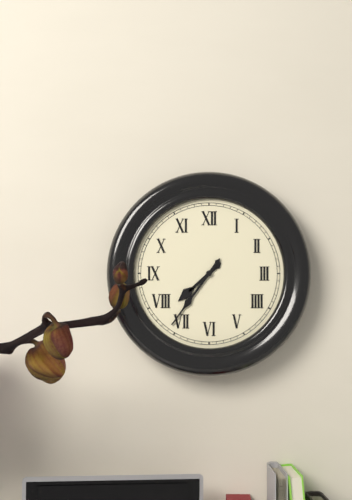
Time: {"hour": 7, "minute": 36}
